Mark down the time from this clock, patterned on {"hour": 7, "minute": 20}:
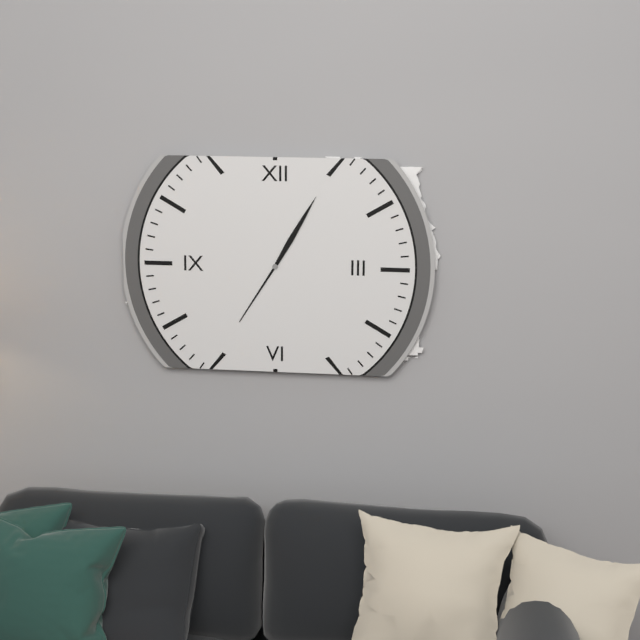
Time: {"hour": 7, "minute": 5}
